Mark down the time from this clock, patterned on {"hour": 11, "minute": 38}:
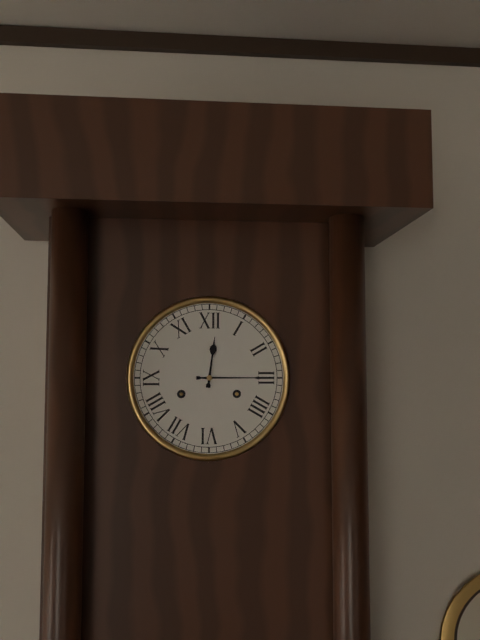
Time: {"hour": 12, "minute": 15}
